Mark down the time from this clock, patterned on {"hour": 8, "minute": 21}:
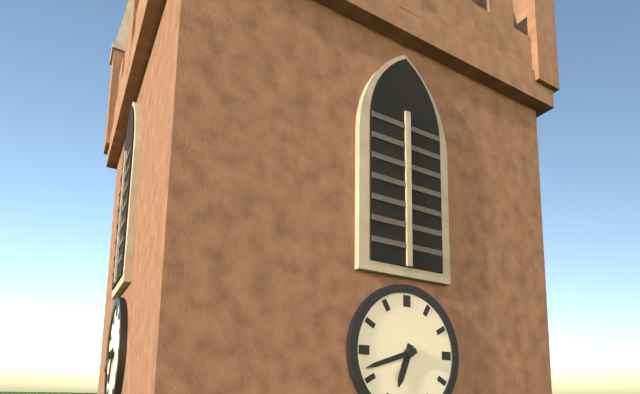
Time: {"hour": 6, "minute": 42}
